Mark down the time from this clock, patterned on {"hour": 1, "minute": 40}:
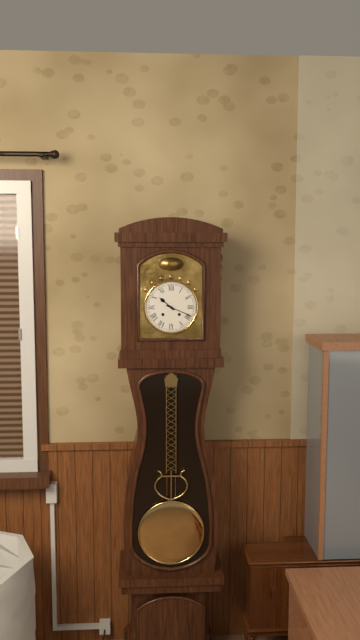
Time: {"hour": 10, "minute": 19}
